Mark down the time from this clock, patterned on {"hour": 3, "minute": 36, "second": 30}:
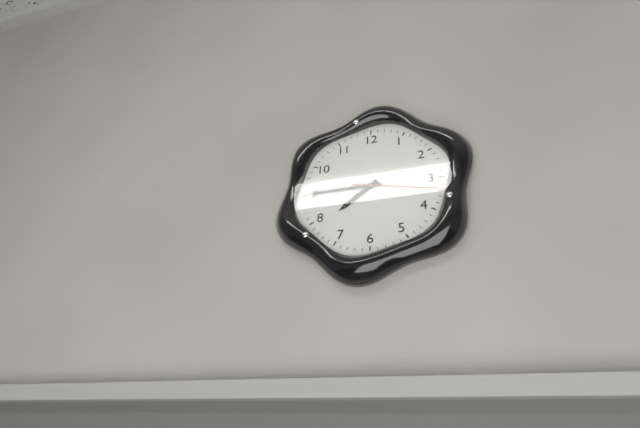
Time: {"hour": 7, "minute": 45, "second": 17}
